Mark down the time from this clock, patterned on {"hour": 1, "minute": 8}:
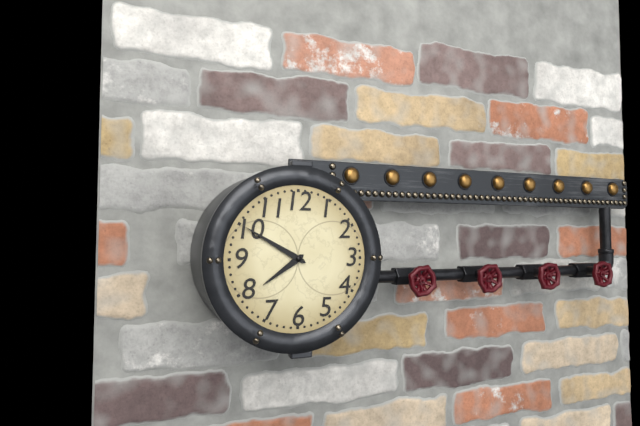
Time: {"hour": 7, "minute": 50}
